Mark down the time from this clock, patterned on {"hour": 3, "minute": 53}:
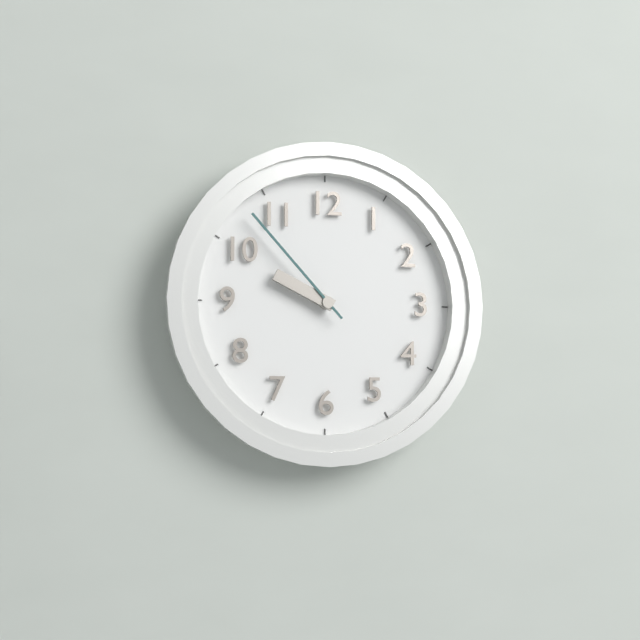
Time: {"hour": 9, "minute": 53}
